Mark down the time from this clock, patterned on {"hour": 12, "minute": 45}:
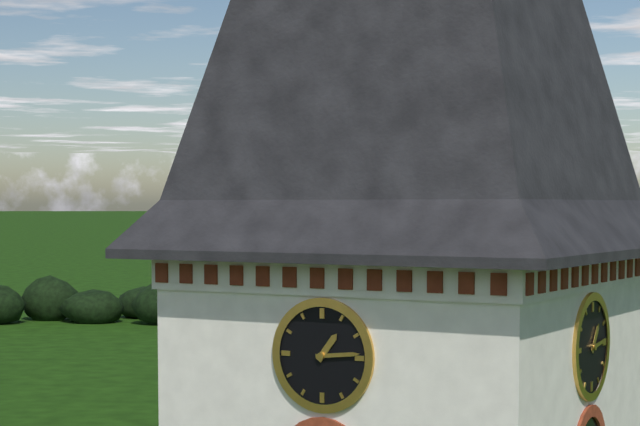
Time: {"hour": 1, "minute": 14}
